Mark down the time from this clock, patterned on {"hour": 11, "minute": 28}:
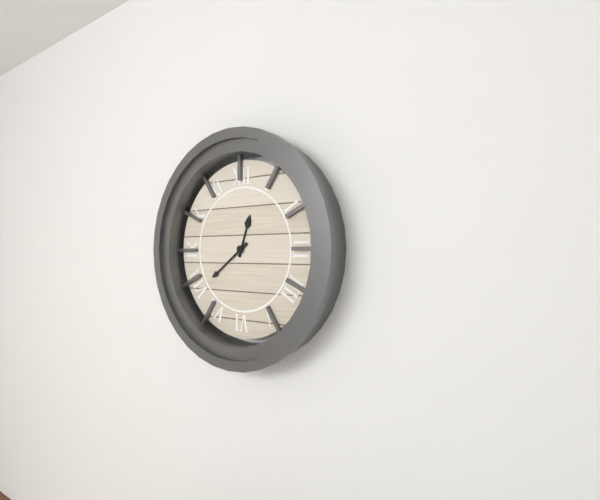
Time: {"hour": 12, "minute": 39}
